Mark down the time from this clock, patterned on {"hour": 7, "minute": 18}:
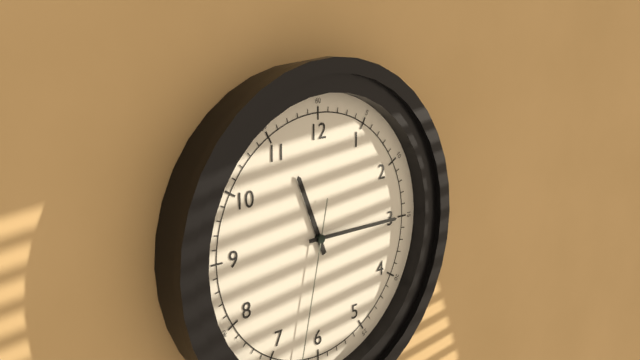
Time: {"hour": 11, "minute": 15}
